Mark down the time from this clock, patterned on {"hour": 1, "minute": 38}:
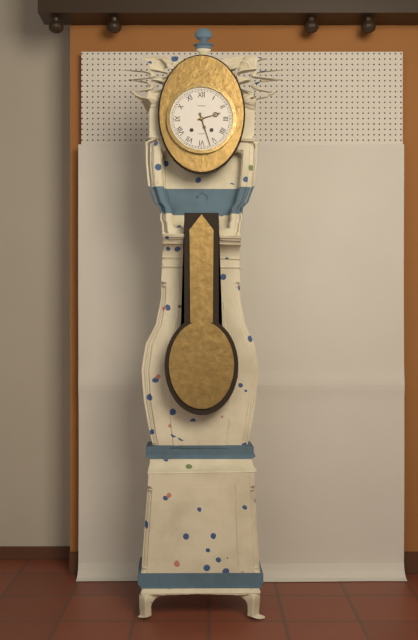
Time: {"hour": 2, "minute": 27}
